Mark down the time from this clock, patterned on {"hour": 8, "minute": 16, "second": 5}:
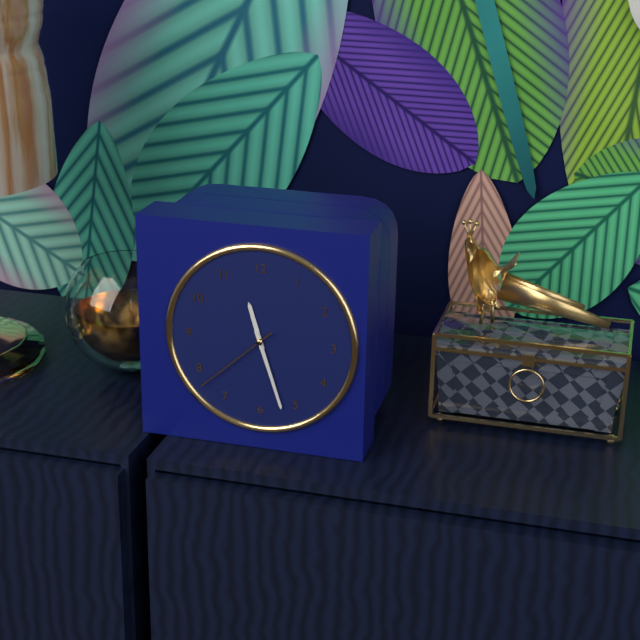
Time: {"hour": 11, "minute": 27, "second": 38}
